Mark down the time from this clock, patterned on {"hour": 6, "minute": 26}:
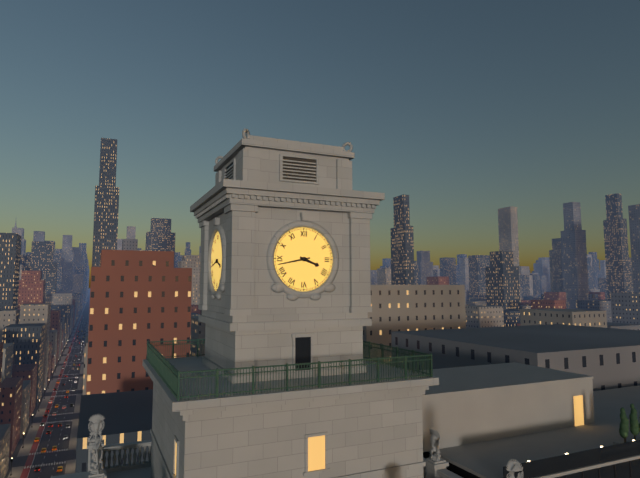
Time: {"hour": 3, "minute": 43}
